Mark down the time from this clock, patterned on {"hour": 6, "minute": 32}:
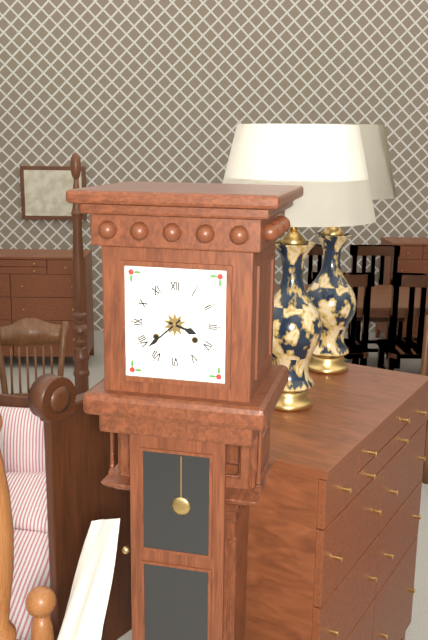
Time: {"hour": 3, "minute": 38}
